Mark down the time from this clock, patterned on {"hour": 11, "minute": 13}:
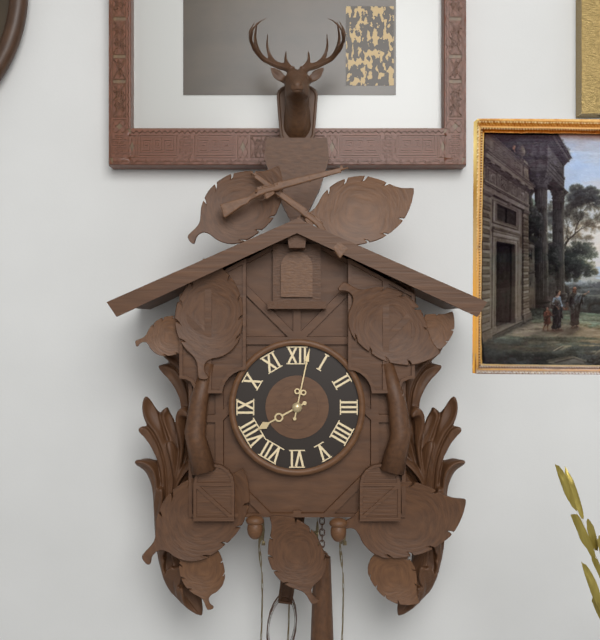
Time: {"hour": 8, "minute": 2}
